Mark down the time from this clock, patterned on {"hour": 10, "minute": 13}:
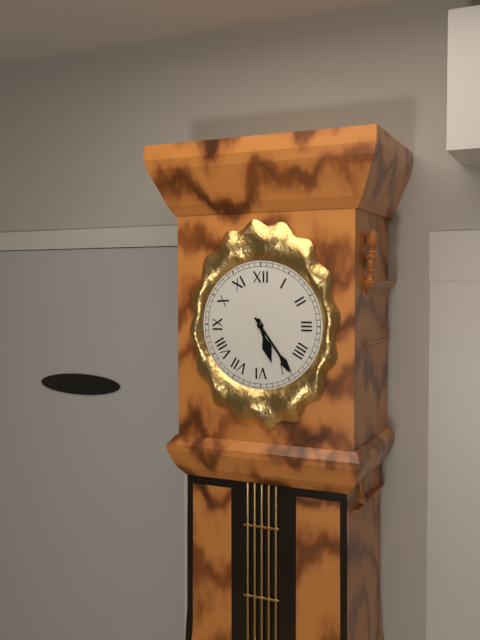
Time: {"hour": 5, "minute": 24}
